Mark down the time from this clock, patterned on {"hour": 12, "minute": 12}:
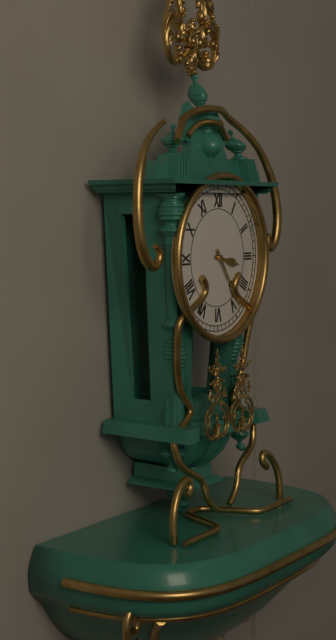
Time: {"hour": 3, "minute": 24}
